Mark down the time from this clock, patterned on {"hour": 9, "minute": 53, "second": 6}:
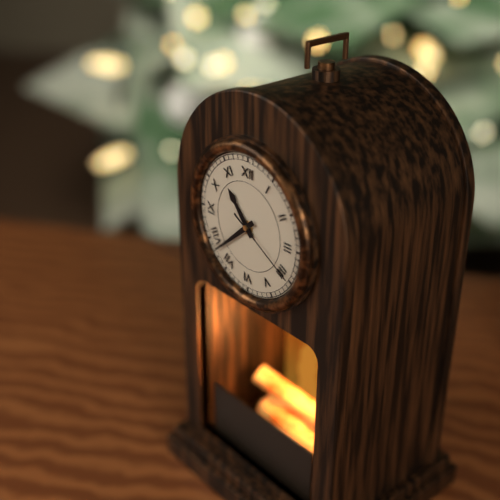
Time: {"hour": 10, "minute": 38, "second": 20}
